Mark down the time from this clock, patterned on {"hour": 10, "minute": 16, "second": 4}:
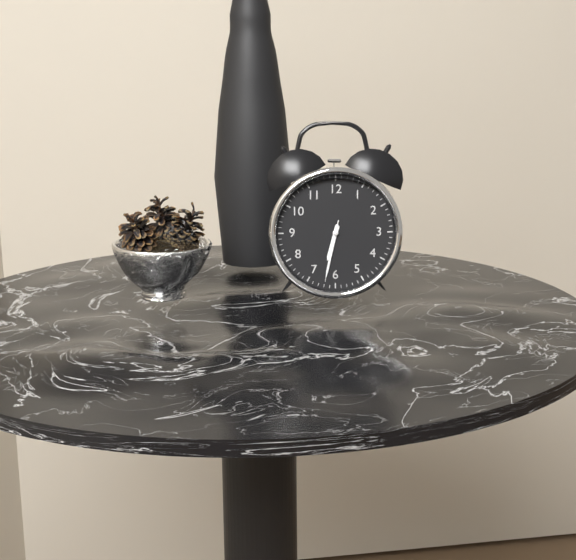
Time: {"hour": 6, "minute": 32, "second": 32}
